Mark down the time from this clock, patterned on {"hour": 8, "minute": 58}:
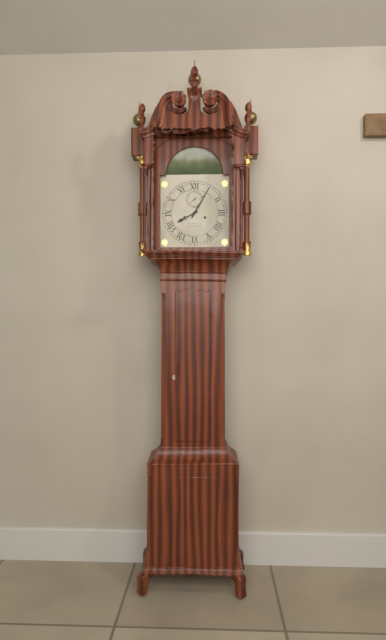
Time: {"hour": 8, "minute": 5}
